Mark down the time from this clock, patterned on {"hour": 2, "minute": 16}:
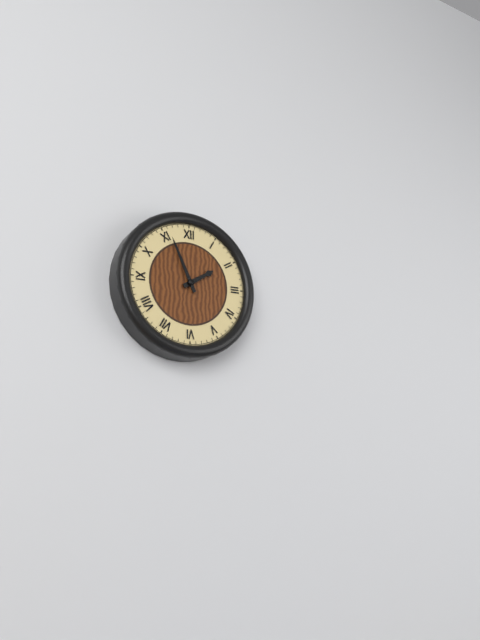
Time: {"hour": 1, "minute": 56}
